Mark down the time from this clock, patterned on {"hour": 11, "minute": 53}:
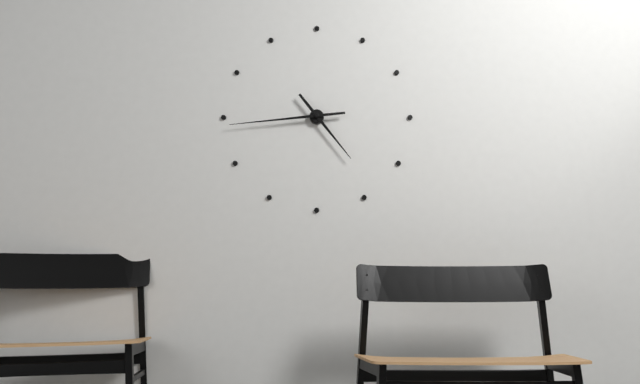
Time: {"hour": 4, "minute": 44}
